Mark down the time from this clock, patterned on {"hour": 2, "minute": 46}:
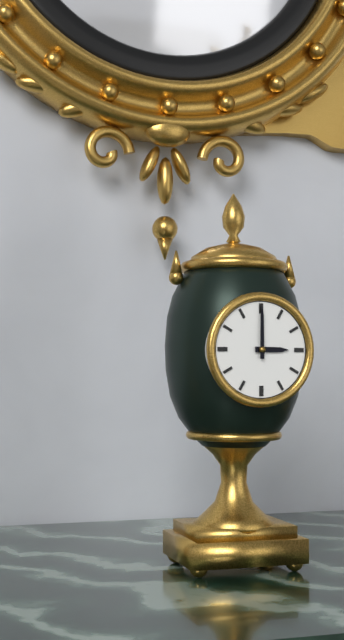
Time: {"hour": 3, "minute": 0}
